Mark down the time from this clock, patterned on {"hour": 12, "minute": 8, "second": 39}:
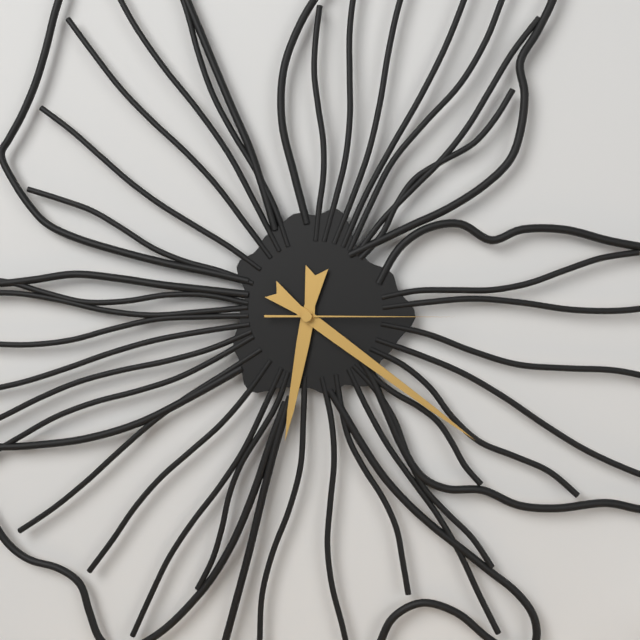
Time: {"hour": 6, "minute": 21, "second": 15}
